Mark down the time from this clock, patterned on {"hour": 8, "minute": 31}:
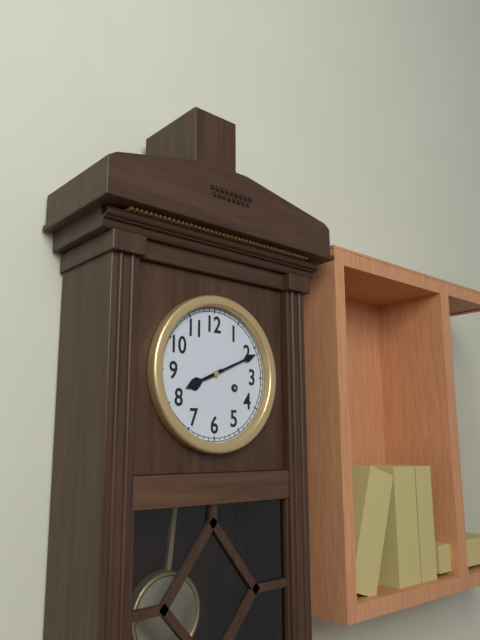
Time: {"hour": 8, "minute": 11}
